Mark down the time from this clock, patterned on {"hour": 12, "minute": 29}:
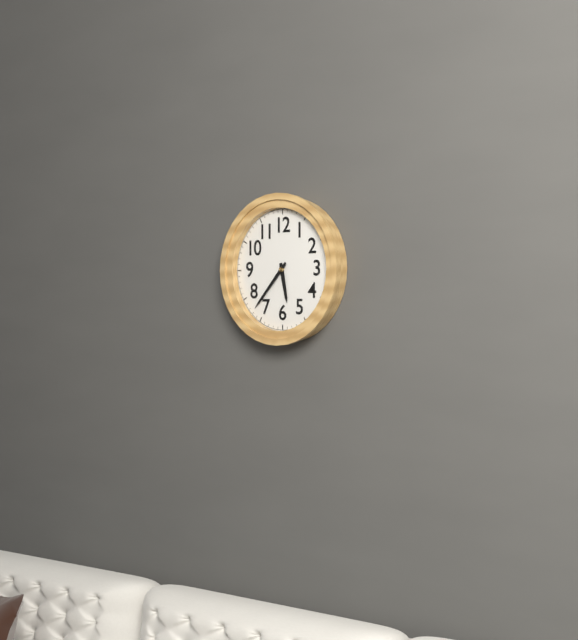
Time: {"hour": 5, "minute": 37}
